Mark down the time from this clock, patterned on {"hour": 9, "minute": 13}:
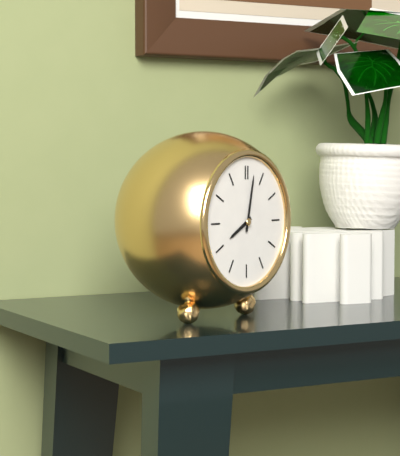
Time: {"hour": 8, "minute": 2}
